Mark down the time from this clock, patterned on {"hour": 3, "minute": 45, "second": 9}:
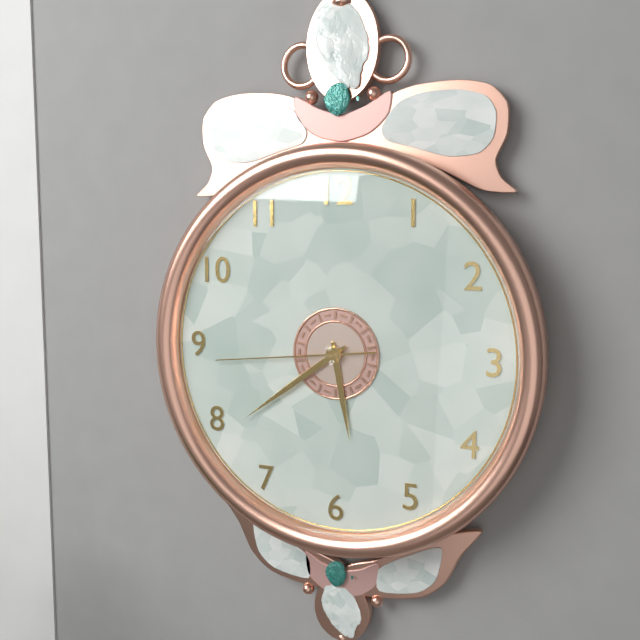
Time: {"hour": 5, "minute": 39, "second": 44}
